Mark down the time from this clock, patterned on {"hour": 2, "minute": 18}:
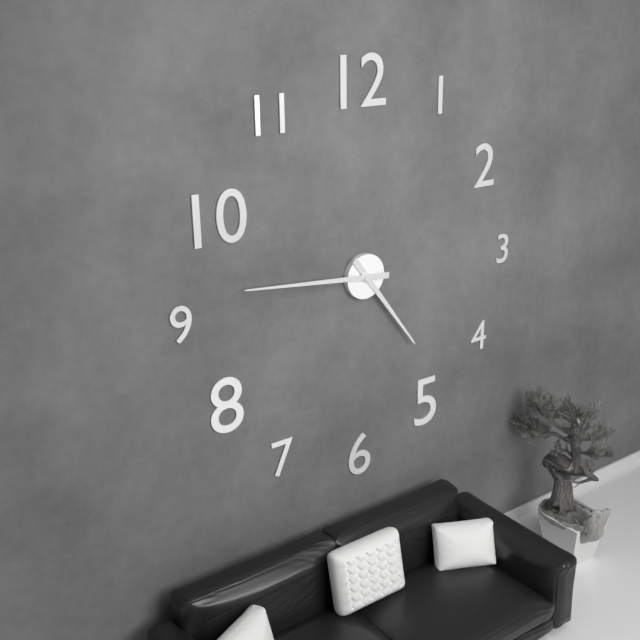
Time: {"hour": 4, "minute": 46}
